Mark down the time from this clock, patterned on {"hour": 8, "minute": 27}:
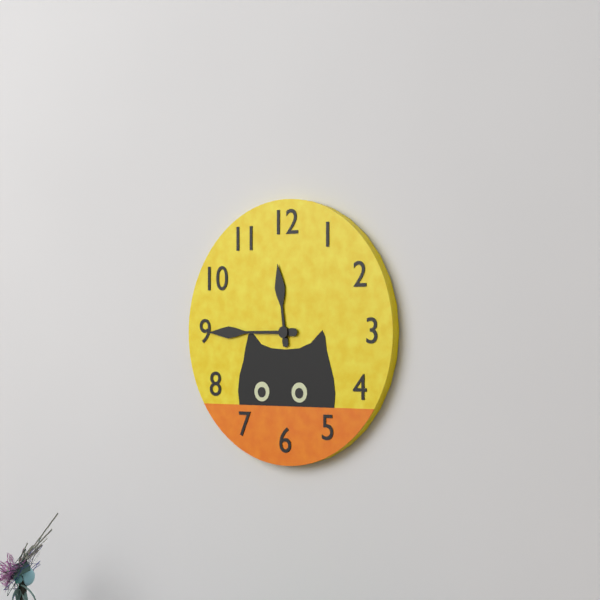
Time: {"hour": 11, "minute": 45}
